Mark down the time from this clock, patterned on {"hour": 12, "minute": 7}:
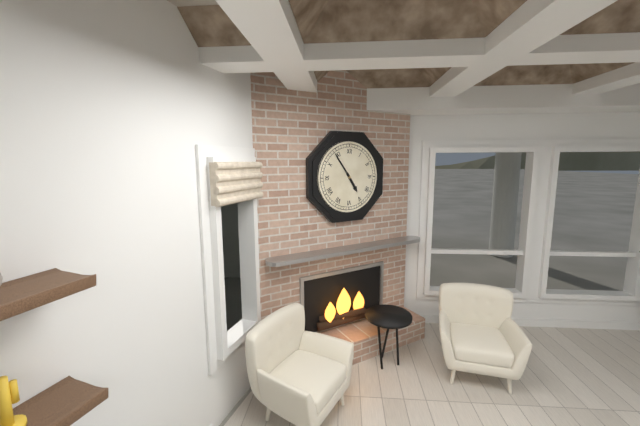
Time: {"hour": 4, "minute": 54}
